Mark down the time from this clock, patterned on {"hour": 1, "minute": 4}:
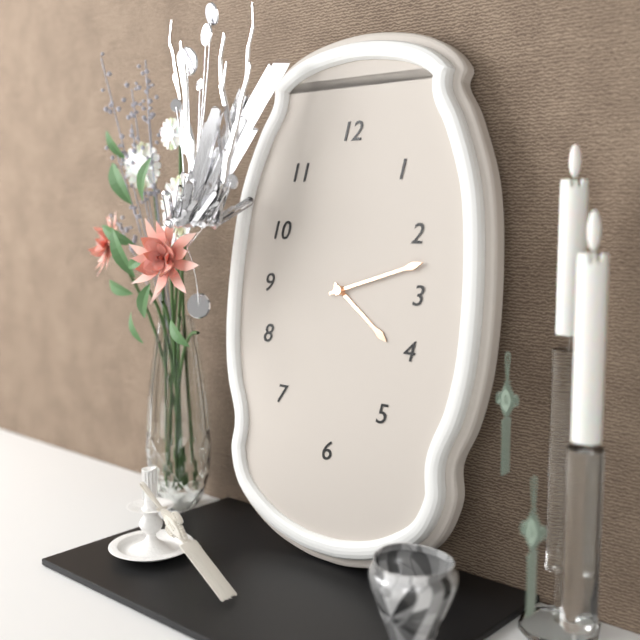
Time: {"hour": 4, "minute": 12}
